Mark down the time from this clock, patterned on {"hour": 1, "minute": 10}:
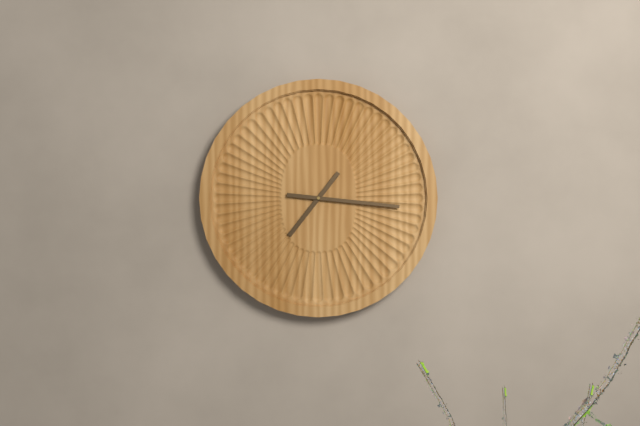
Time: {"hour": 7, "minute": 16}
